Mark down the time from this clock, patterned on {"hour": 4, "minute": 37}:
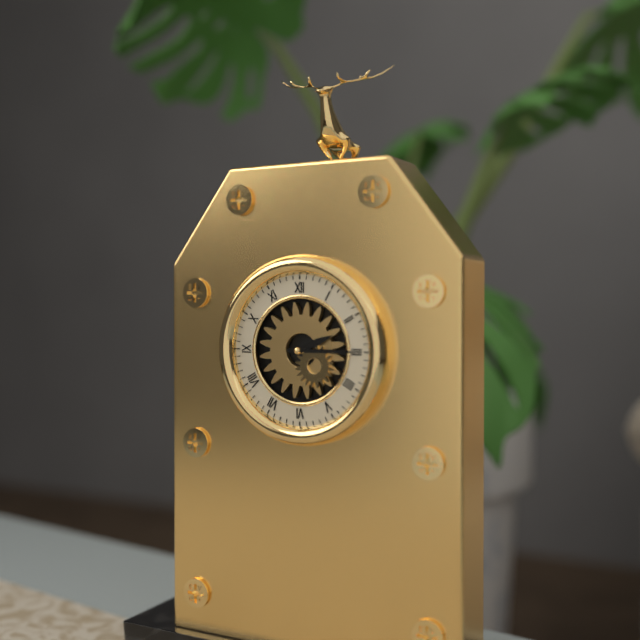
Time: {"hour": 2, "minute": 15}
